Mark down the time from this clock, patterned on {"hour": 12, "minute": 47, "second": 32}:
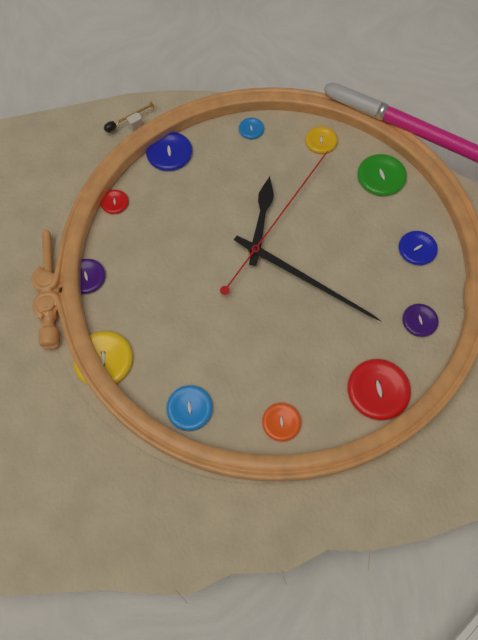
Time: {"hour": 3, "minute": 37, "second": 22}
